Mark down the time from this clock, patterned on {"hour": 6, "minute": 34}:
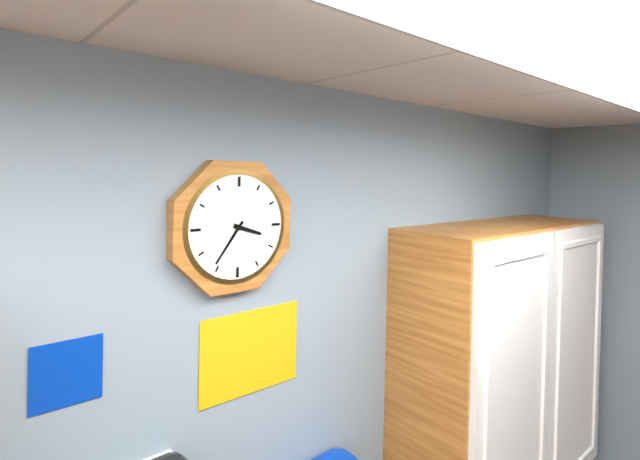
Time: {"hour": 3, "minute": 36}
